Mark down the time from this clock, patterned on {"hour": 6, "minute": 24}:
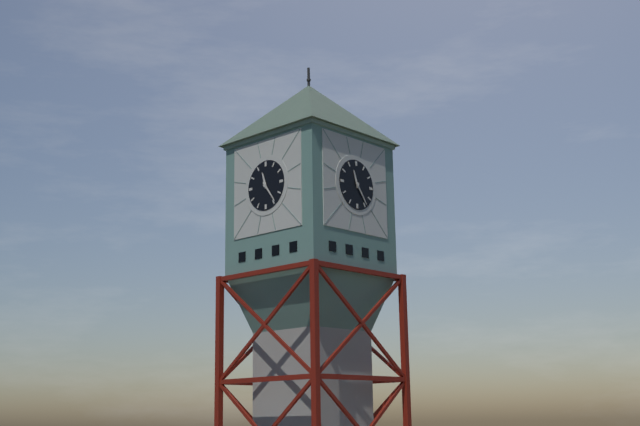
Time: {"hour": 11, "minute": 24}
